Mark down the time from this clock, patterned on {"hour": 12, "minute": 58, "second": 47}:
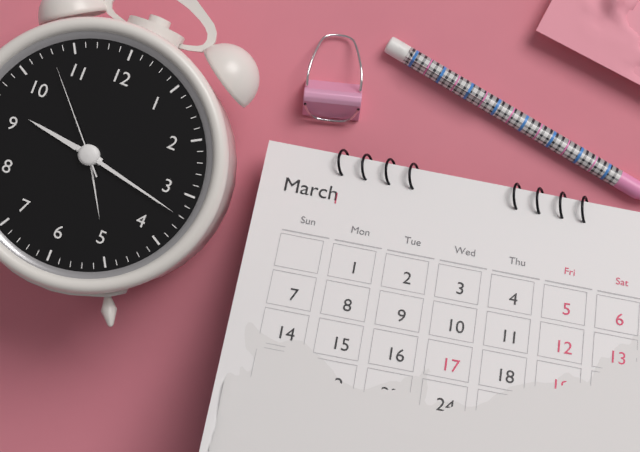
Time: {"hour": 9, "minute": 17, "second": 53}
